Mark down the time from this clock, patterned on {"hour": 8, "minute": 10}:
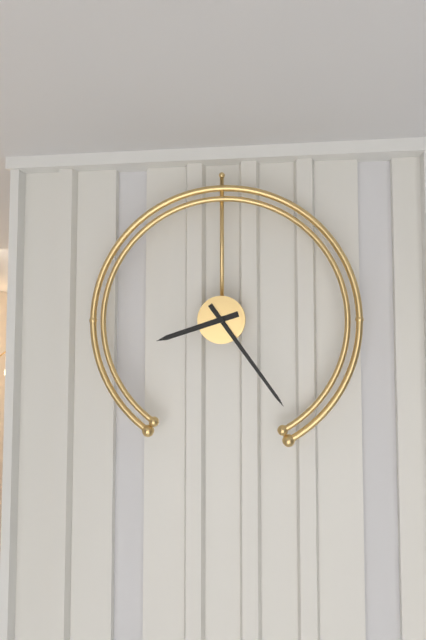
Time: {"hour": 8, "minute": 24}
